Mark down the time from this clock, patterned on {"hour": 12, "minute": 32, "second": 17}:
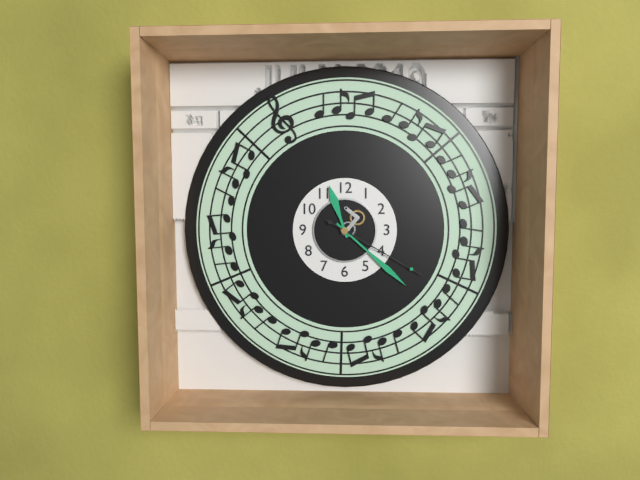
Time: {"hour": 11, "minute": 22, "second": 20}
